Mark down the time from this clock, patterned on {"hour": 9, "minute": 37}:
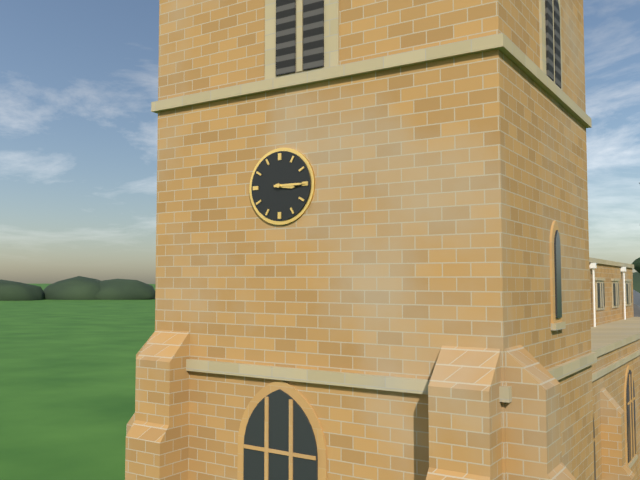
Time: {"hour": 3, "minute": 15}
